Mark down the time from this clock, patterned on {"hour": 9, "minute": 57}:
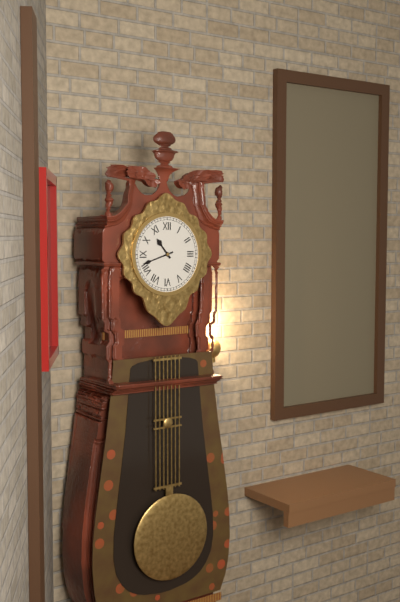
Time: {"hour": 10, "minute": 42}
